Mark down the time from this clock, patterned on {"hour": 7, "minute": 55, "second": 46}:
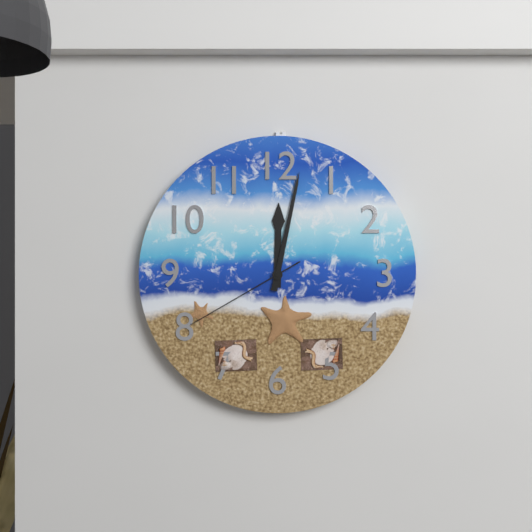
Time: {"hour": 12, "minute": 2, "second": 40}
